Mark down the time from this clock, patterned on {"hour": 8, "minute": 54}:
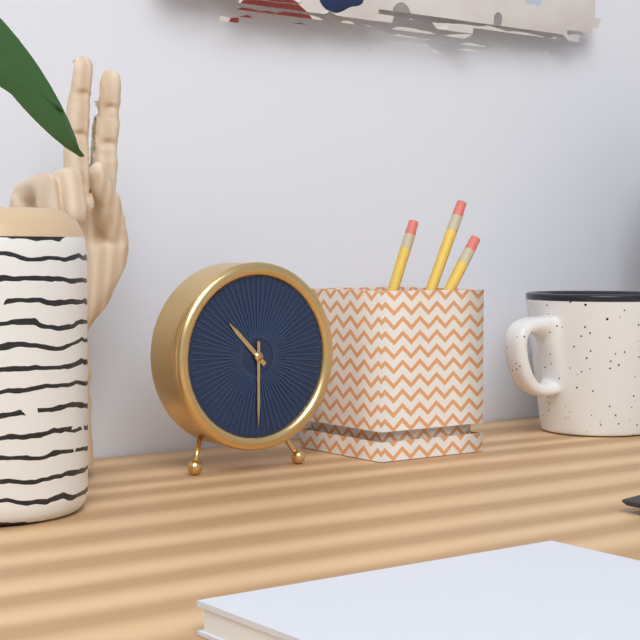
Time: {"hour": 10, "minute": 30}
